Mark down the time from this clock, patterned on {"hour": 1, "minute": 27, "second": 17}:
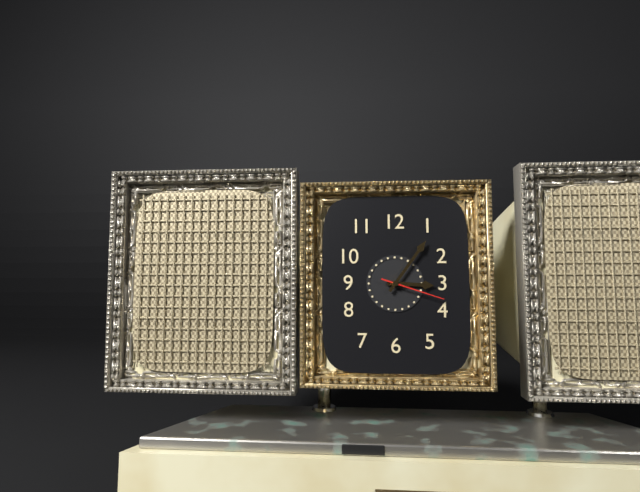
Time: {"hour": 3, "minute": 6, "second": 18}
